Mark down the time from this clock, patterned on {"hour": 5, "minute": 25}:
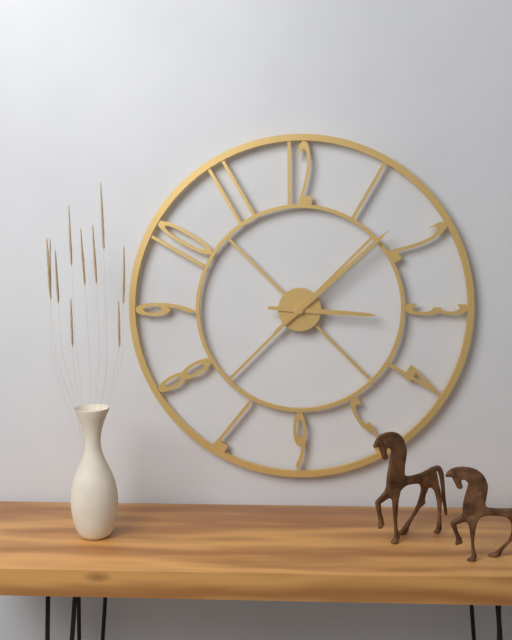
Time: {"hour": 3, "minute": 8}
